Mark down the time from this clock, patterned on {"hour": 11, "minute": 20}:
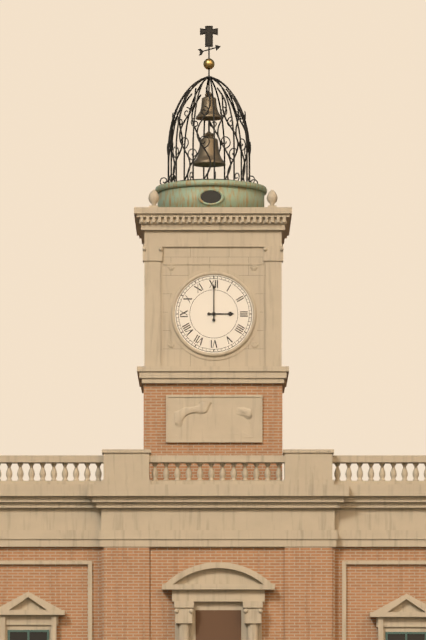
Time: {"hour": 3, "minute": 0}
